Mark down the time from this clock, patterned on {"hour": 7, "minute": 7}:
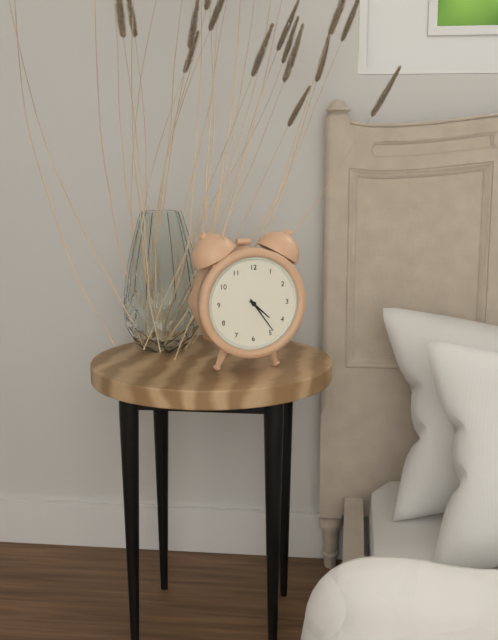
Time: {"hour": 4, "minute": 24}
